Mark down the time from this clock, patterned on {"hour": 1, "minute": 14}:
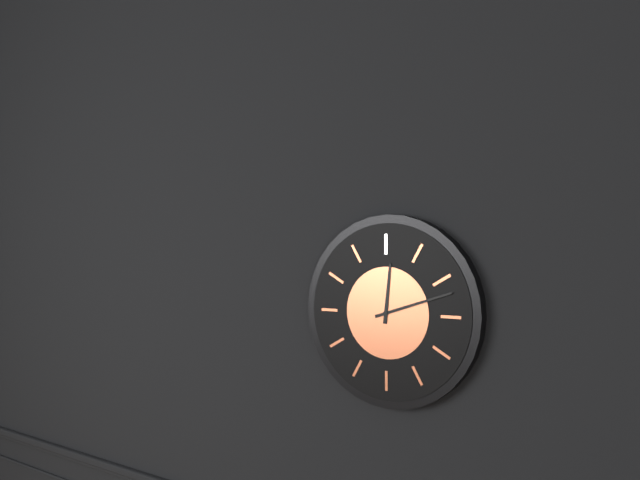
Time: {"hour": 12, "minute": 12}
